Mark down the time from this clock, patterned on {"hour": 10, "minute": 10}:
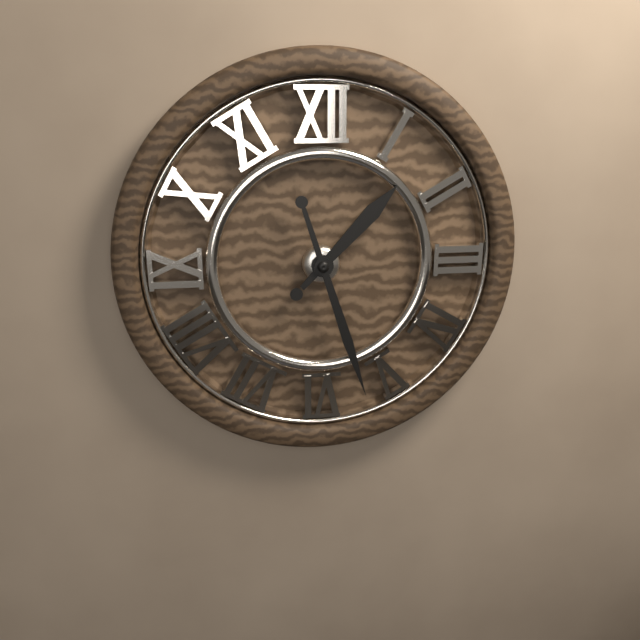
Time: {"hour": 1, "minute": 27}
